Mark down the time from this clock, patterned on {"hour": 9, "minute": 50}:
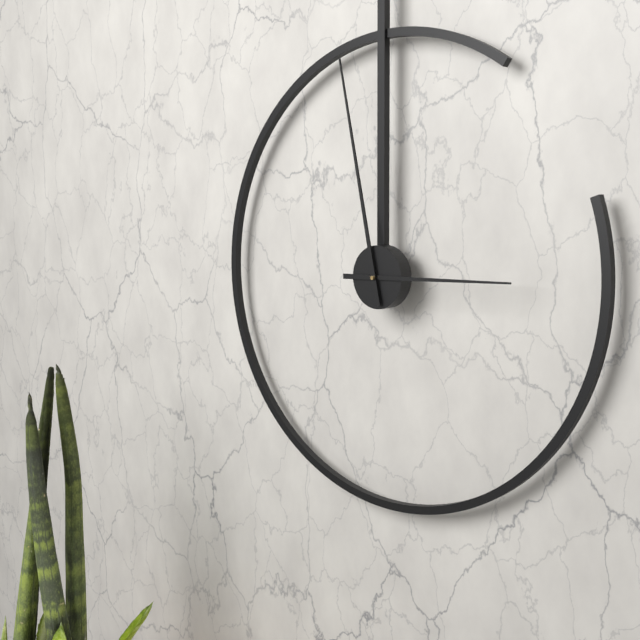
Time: {"hour": 2, "minute": 58}
